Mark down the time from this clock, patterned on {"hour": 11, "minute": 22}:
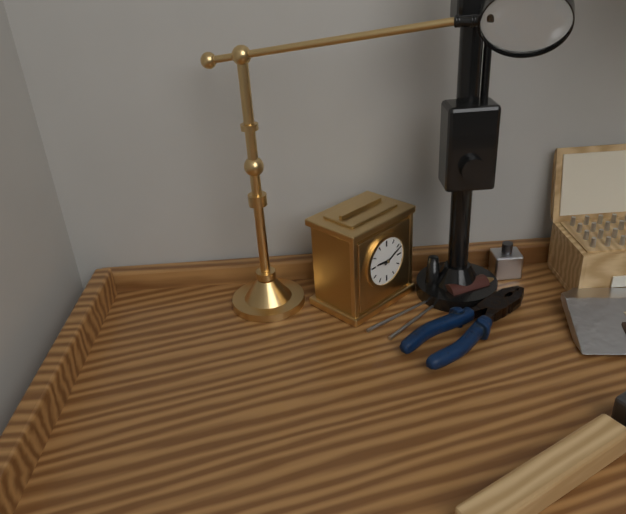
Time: {"hour": 9, "minute": 11}
